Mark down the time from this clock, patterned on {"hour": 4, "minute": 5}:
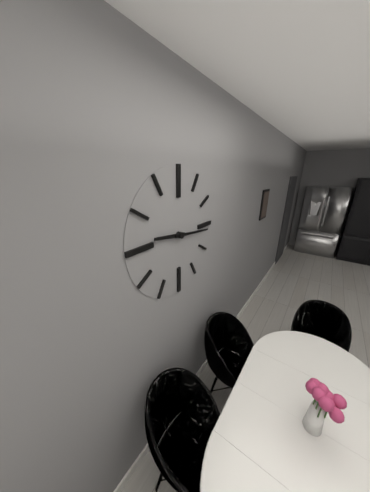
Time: {"hour": 9, "minute": 16}
